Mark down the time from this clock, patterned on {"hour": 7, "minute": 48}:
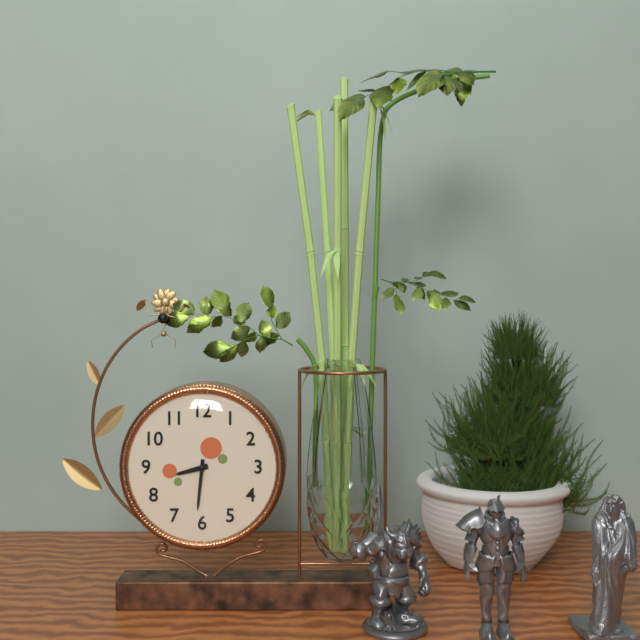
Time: {"hour": 8, "minute": 31}
